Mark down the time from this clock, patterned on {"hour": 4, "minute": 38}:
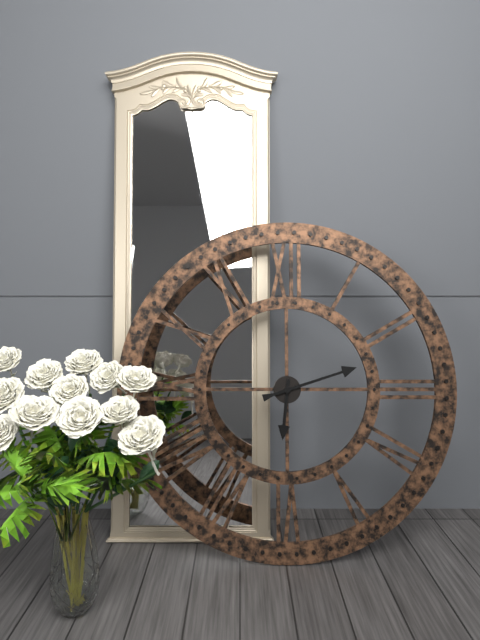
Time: {"hour": 6, "minute": 12}
